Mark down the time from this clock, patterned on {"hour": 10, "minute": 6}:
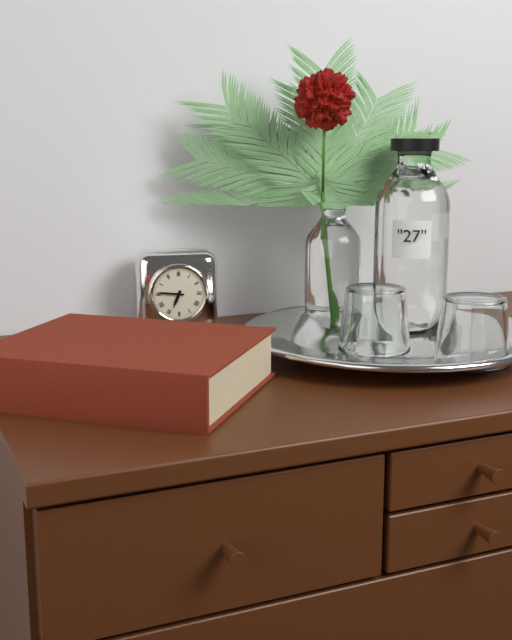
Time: {"hour": 6, "minute": 46}
